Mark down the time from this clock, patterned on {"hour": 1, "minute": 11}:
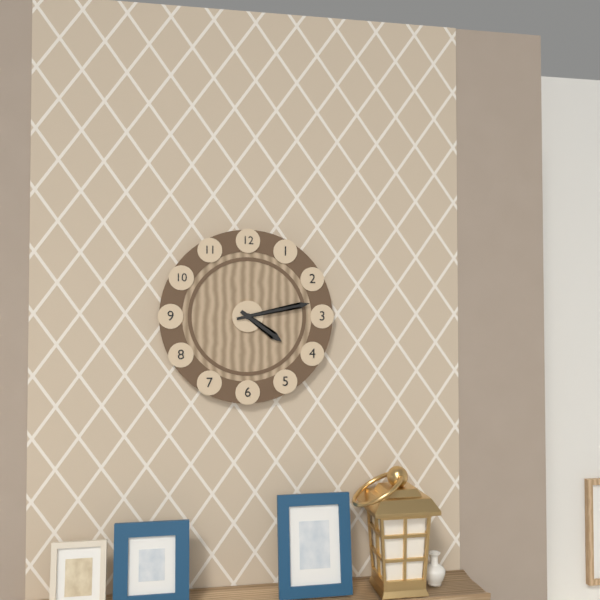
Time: {"hour": 4, "minute": 13}
